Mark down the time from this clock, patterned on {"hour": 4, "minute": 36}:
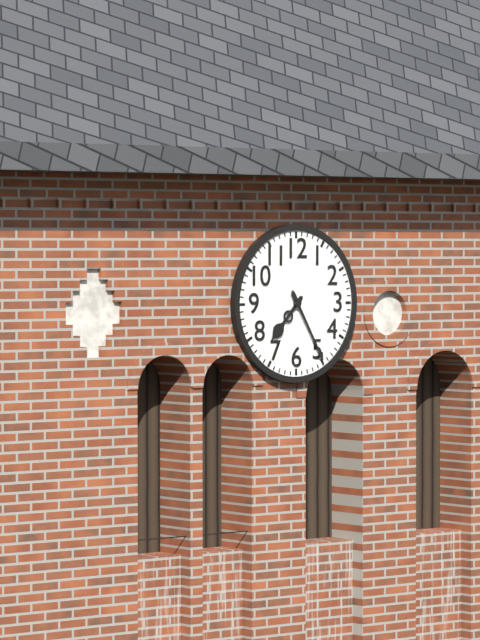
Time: {"hour": 7, "minute": 25}
